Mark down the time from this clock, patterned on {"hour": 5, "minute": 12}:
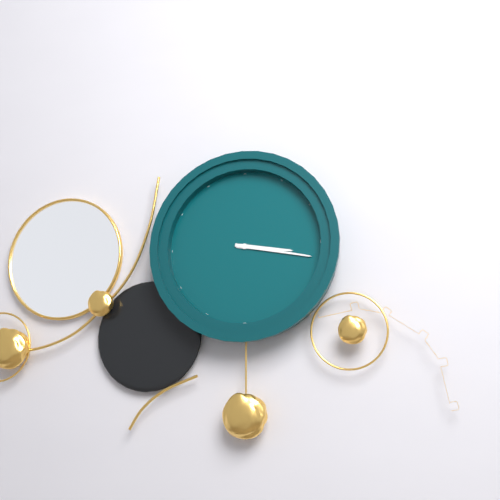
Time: {"hour": 3, "minute": 17}
